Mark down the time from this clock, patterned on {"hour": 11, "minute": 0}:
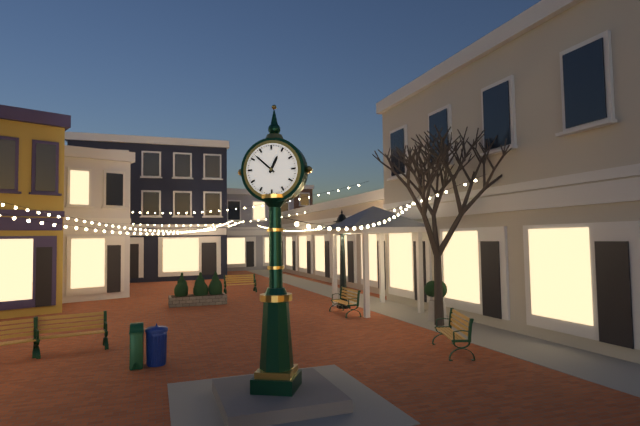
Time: {"hour": 12, "minute": 52}
